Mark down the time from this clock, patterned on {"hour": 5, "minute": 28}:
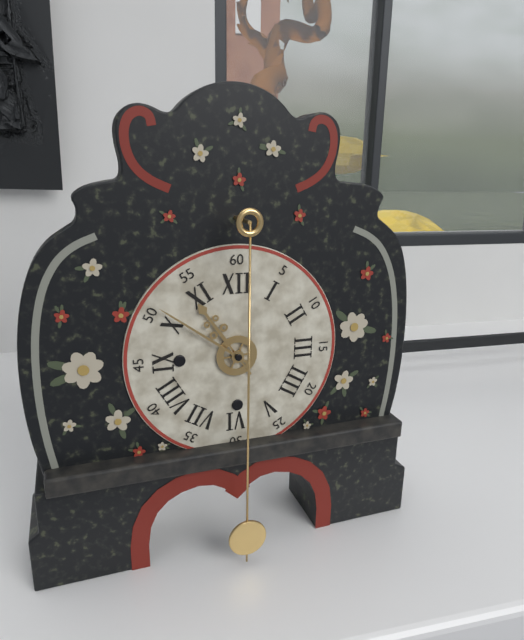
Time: {"hour": 10, "minute": 51}
